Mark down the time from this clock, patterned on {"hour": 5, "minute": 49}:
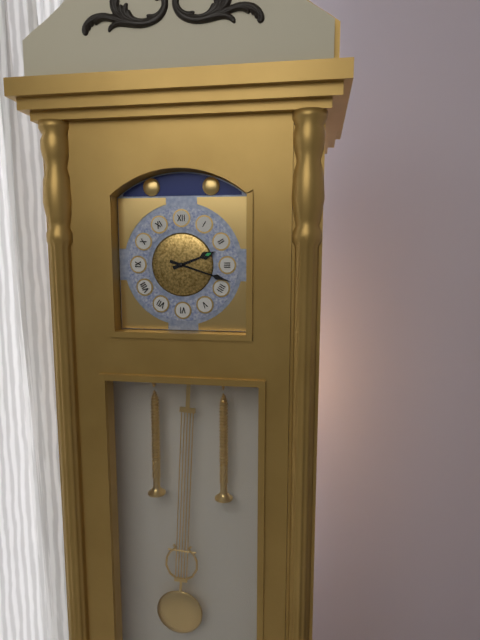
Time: {"hour": 2, "minute": 18}
